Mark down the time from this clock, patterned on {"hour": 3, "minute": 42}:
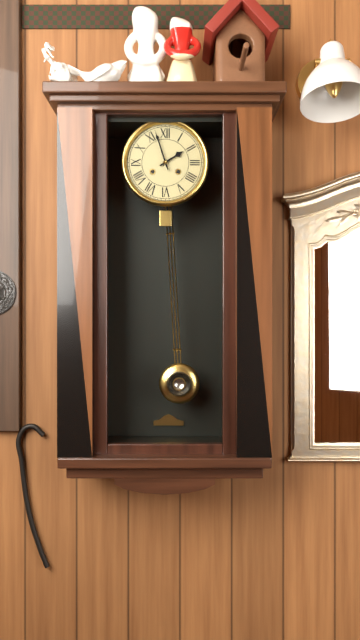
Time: {"hour": 1, "minute": 57}
